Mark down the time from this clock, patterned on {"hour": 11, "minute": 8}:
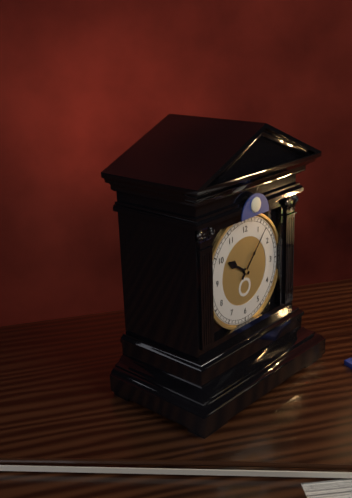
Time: {"hour": 10, "minute": 7}
